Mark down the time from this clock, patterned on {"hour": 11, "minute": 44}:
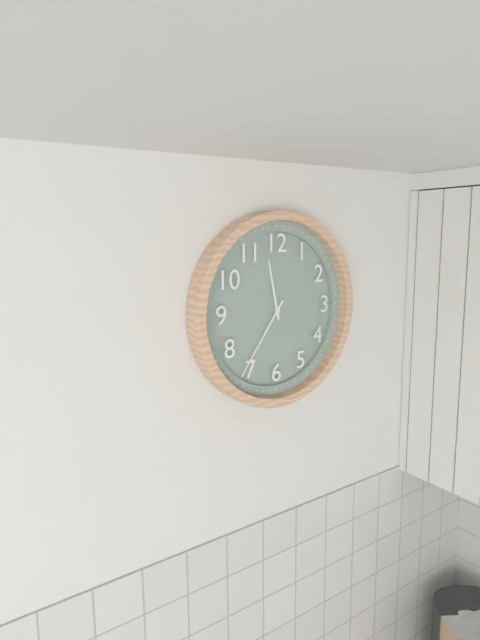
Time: {"hour": 11, "minute": 36}
